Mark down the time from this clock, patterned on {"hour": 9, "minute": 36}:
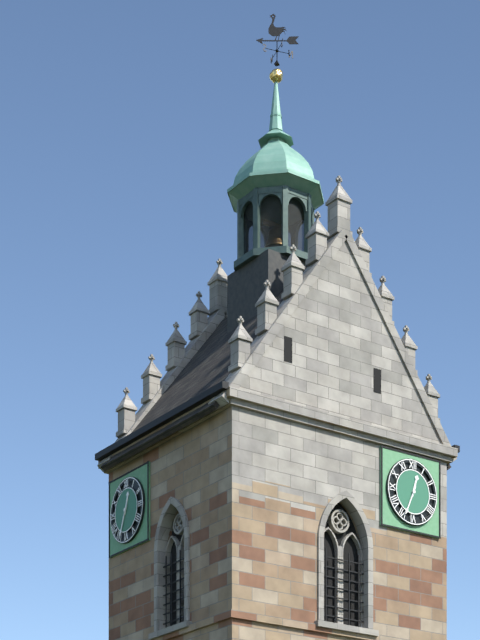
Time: {"hour": 12, "minute": 34}
